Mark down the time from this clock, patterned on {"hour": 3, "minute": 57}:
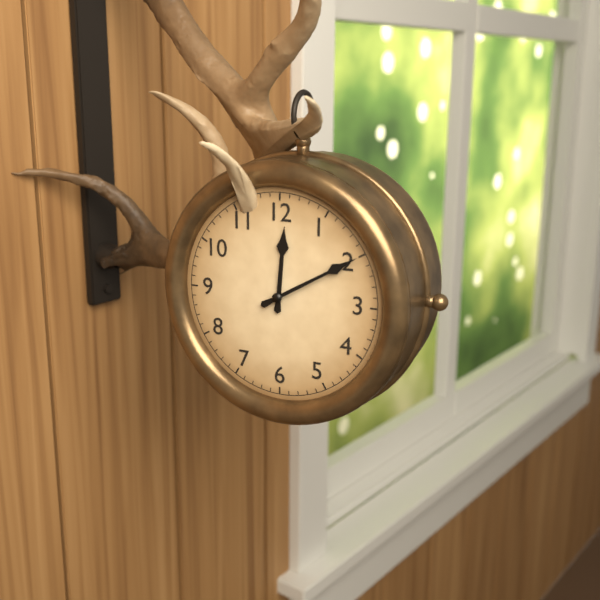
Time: {"hour": 12, "minute": 10}
